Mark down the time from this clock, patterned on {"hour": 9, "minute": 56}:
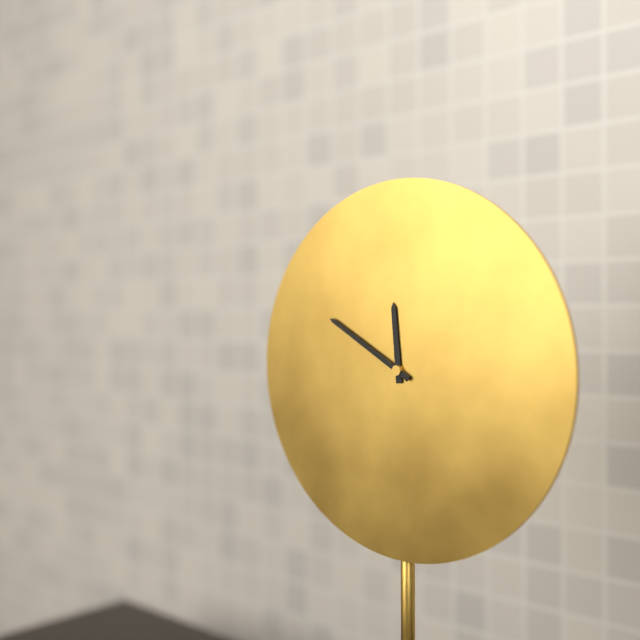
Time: {"hour": 11, "minute": 50}
